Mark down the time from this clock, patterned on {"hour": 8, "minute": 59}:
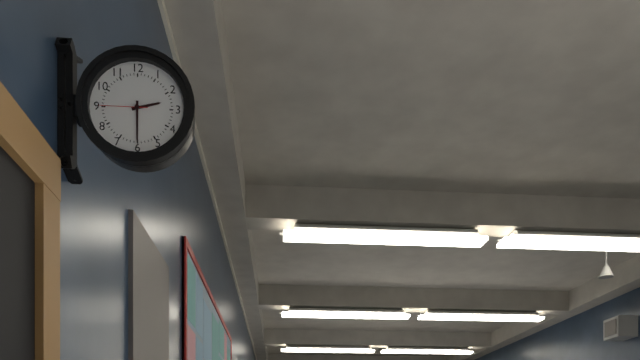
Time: {"hour": 2, "minute": 30}
